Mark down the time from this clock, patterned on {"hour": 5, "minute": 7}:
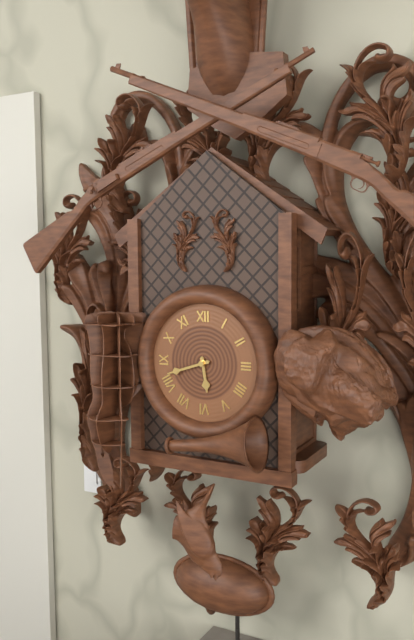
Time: {"hour": 5, "minute": 42}
